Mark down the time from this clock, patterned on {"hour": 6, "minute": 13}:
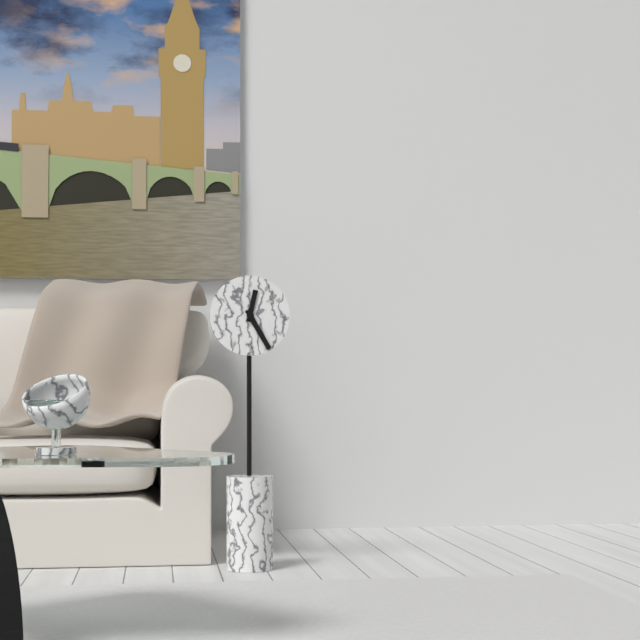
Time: {"hour": 12, "minute": 25}
